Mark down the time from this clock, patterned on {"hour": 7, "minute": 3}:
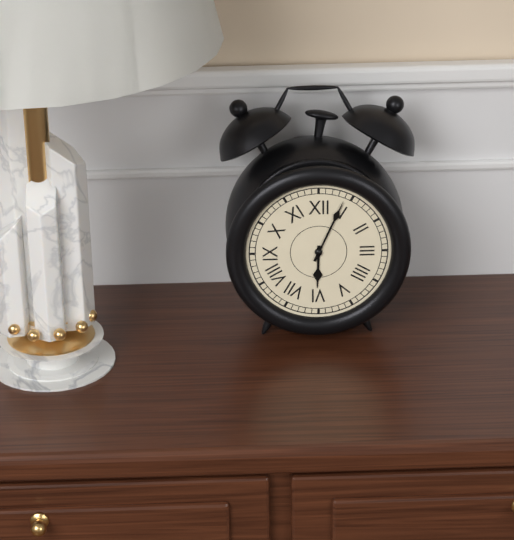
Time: {"hour": 6, "minute": 4}
